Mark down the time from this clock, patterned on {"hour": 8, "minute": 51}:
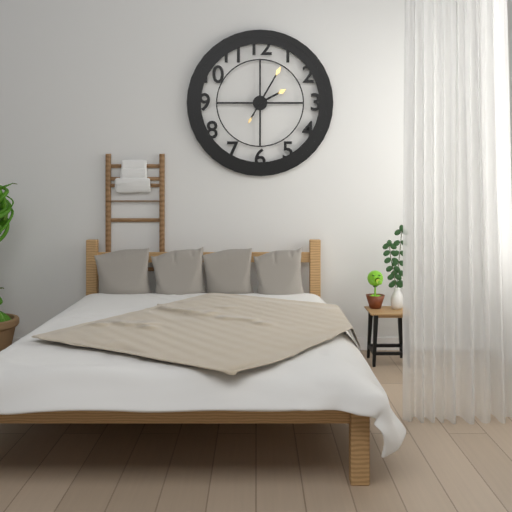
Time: {"hour": 2, "minute": 5}
